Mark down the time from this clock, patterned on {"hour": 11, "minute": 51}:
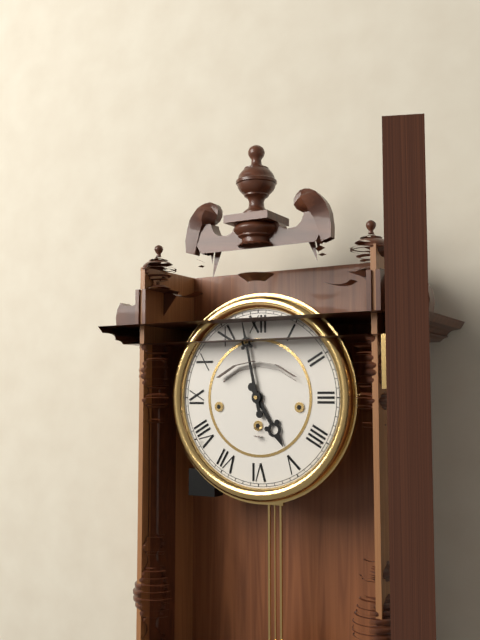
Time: {"hour": 4, "minute": 58}
